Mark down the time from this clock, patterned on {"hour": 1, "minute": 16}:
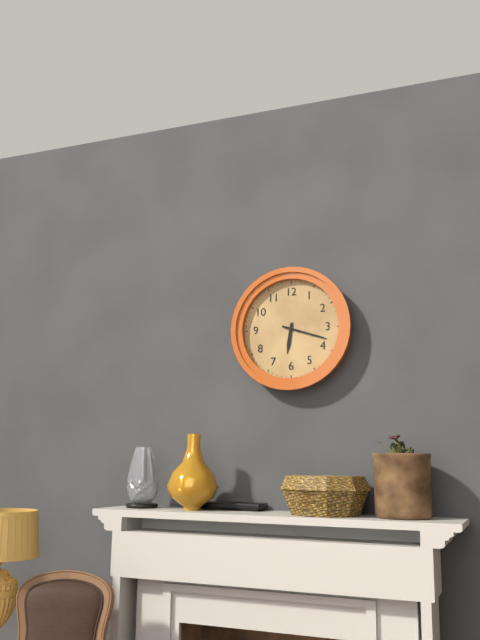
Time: {"hour": 6, "minute": 18}
